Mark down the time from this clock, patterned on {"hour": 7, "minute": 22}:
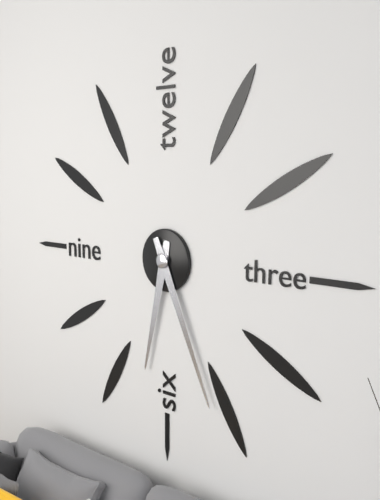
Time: {"hour": 6, "minute": 26}
